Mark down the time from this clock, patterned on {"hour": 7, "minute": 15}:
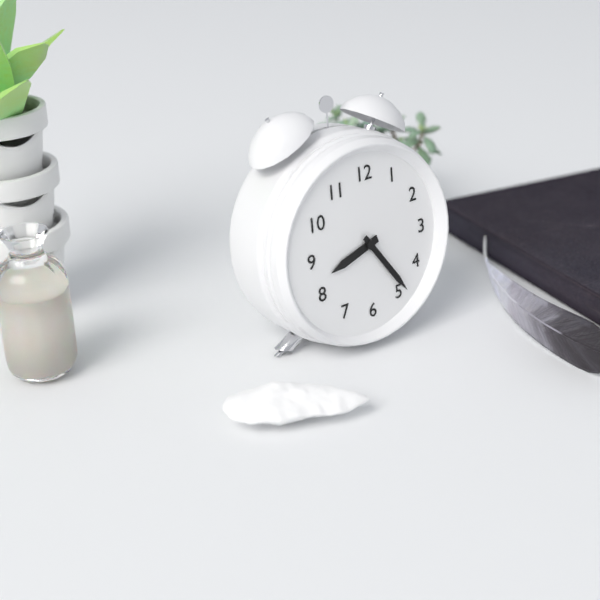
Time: {"hour": 8, "minute": 24}
